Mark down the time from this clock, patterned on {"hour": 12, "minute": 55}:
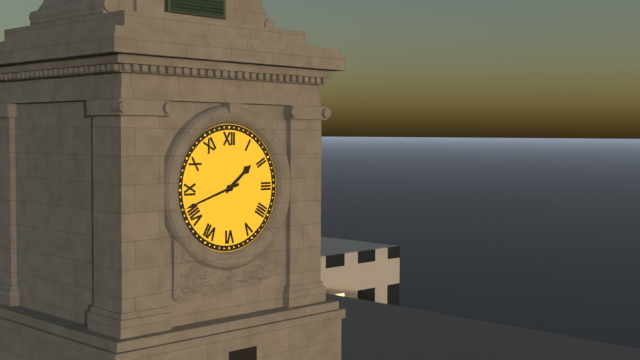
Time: {"hour": 1, "minute": 42}
